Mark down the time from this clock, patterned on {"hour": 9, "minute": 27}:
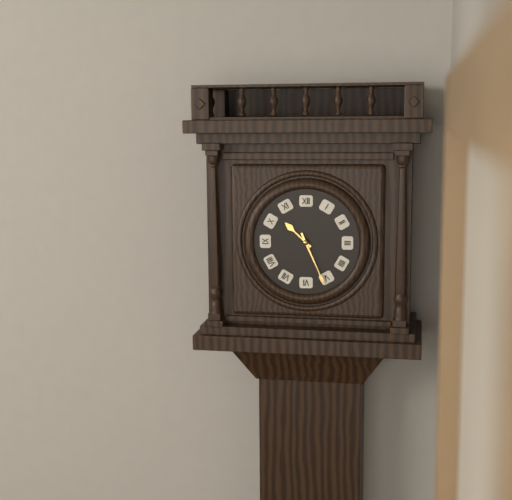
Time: {"hour": 10, "minute": 26}
